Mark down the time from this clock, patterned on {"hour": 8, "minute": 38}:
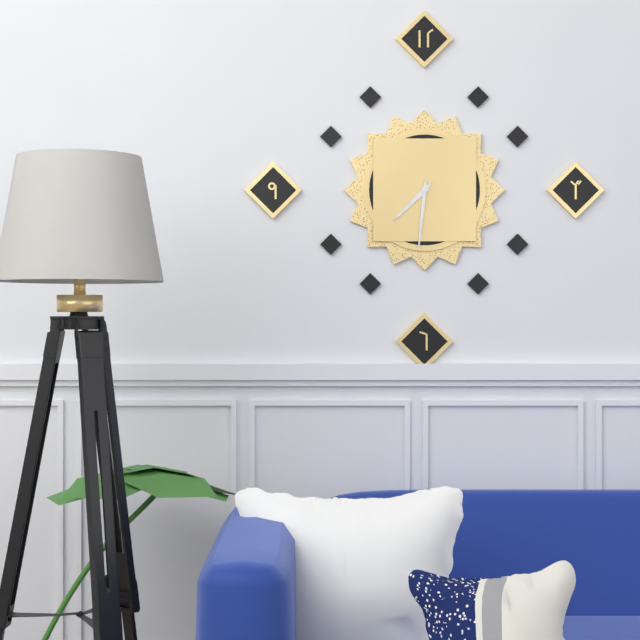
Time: {"hour": 7, "minute": 31}
